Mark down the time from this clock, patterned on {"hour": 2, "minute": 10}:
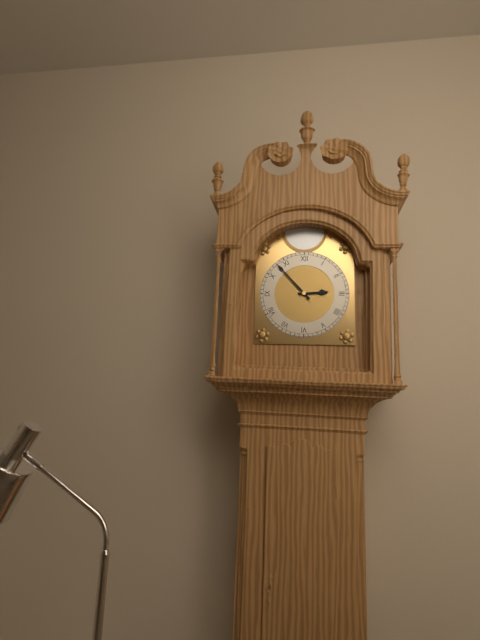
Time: {"hour": 2, "minute": 53}
